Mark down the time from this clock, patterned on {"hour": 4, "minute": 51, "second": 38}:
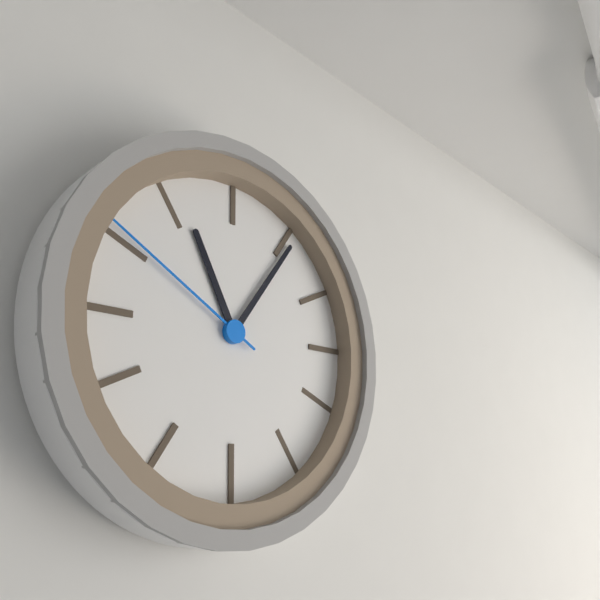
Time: {"hour": 11, "minute": 6, "second": 50}
